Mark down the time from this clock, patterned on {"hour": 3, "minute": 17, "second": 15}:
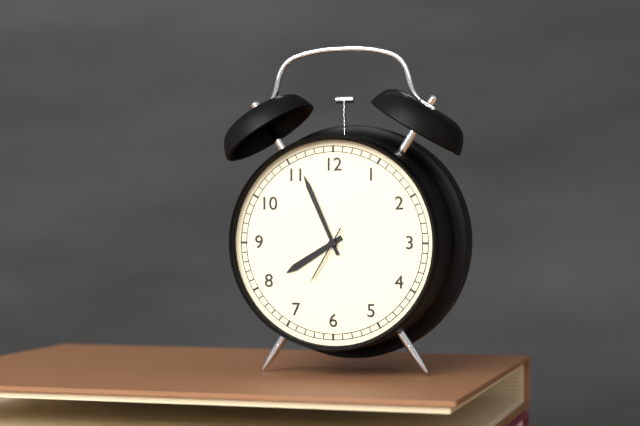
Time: {"hour": 7, "minute": 56, "second": 35}
